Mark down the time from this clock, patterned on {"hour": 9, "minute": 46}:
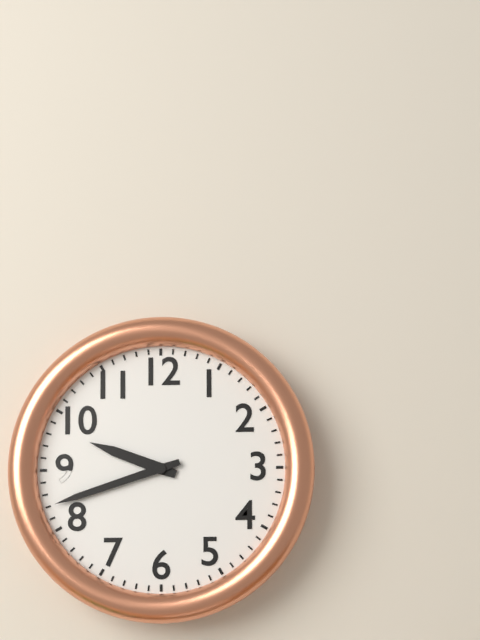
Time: {"hour": 9, "minute": 42}
